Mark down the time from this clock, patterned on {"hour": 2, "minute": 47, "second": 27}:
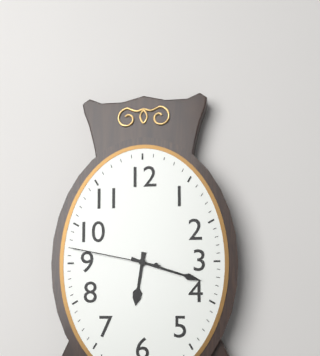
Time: {"hour": 6, "minute": 18, "second": 47}
